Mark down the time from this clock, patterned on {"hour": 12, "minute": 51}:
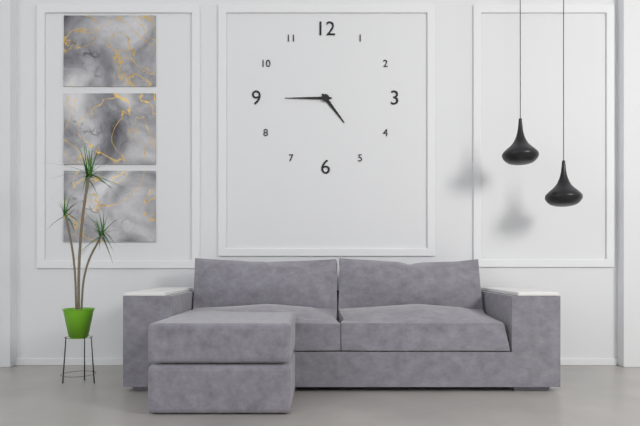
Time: {"hour": 4, "minute": 45}
